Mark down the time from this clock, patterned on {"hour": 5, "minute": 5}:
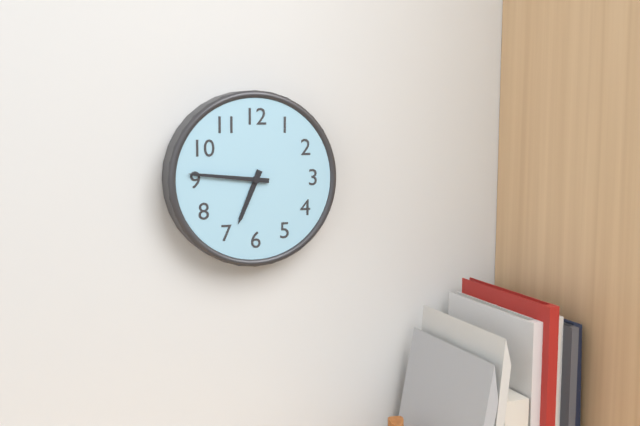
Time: {"hour": 6, "minute": 46}
